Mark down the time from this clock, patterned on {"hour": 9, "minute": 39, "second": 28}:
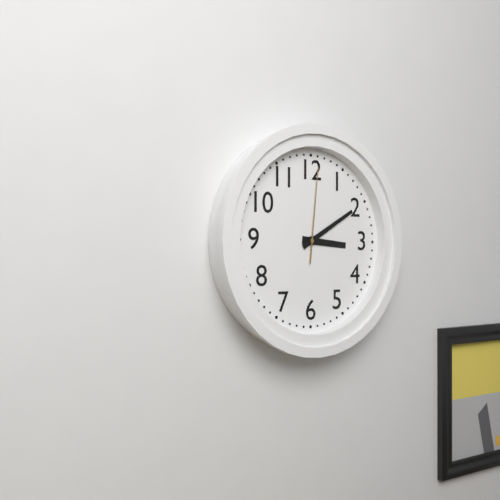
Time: {"hour": 3, "minute": 10, "second": 1}
